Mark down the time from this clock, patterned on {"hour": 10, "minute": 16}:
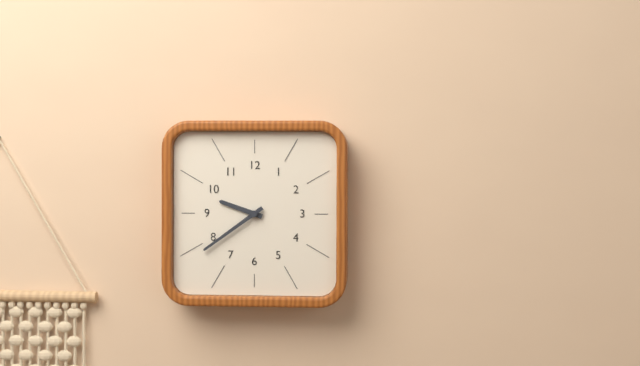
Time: {"hour": 9, "minute": 39}
